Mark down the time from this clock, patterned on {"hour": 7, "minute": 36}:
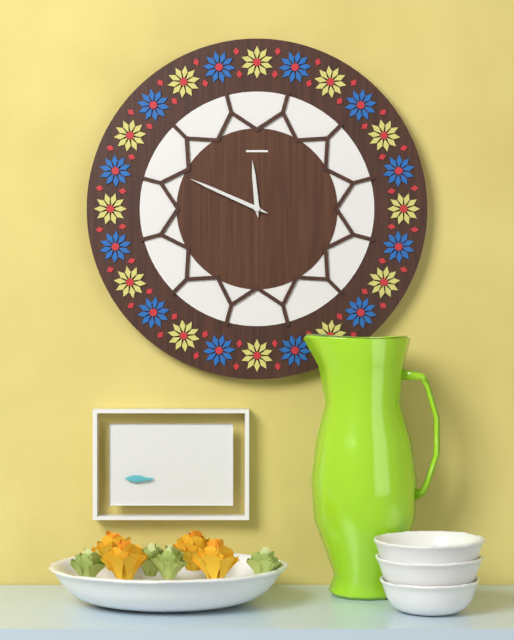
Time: {"hour": 11, "minute": 49}
